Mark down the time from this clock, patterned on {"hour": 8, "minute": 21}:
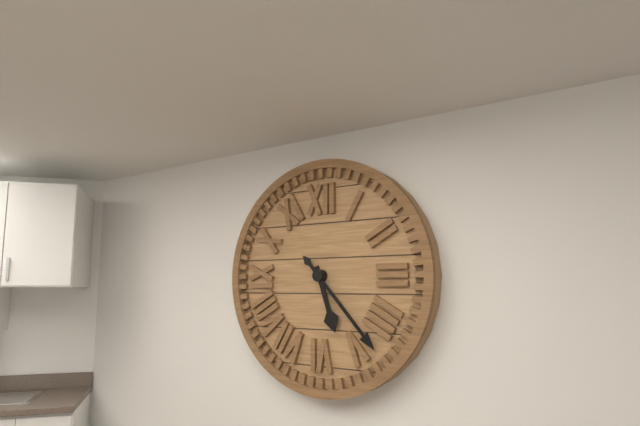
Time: {"hour": 5, "minute": 23}
